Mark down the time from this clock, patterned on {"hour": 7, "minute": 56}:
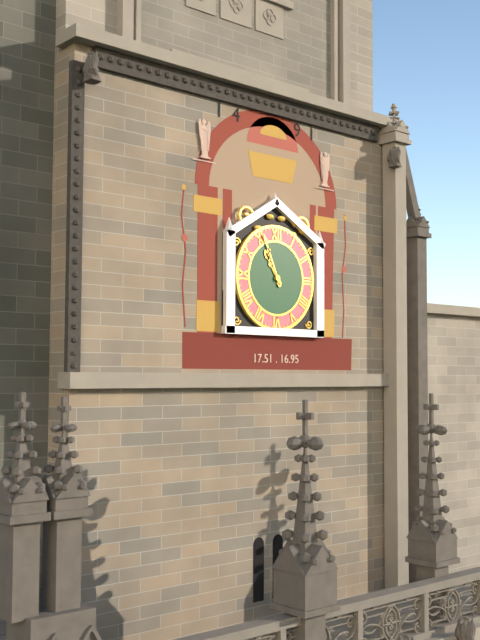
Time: {"hour": 10, "minute": 56}
